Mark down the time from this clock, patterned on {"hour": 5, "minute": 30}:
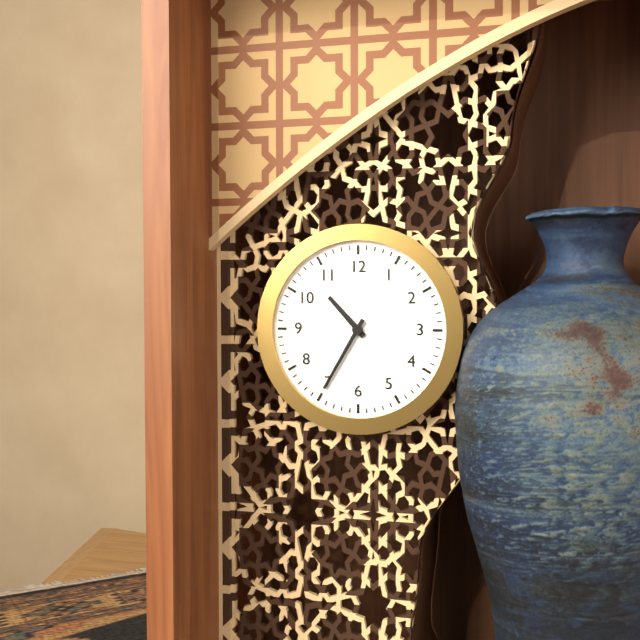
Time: {"hour": 10, "minute": 35}
